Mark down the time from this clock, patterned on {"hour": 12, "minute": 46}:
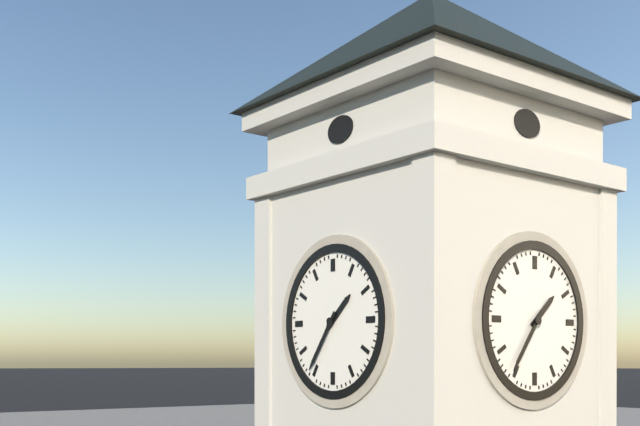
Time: {"hour": 1, "minute": 36}
